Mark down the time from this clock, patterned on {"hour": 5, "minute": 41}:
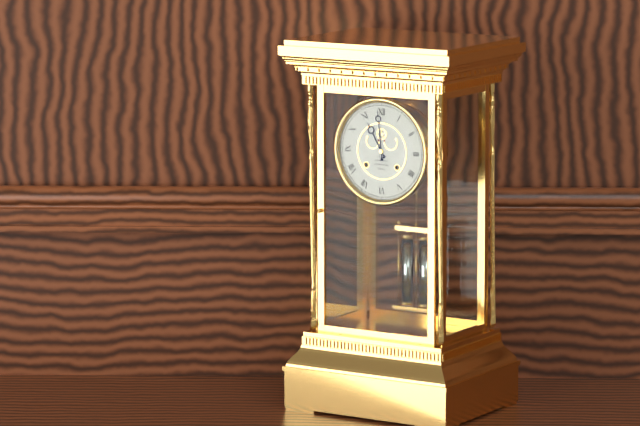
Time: {"hour": 10, "minute": 59}
